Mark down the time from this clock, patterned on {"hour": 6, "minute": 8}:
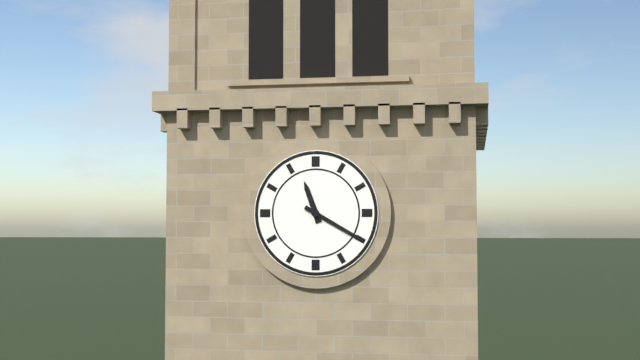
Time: {"hour": 11, "minute": 20}
